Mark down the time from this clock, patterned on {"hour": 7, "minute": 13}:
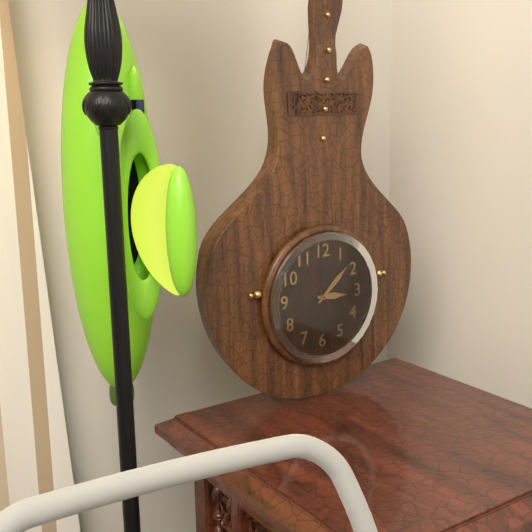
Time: {"hour": 3, "minute": 8}
